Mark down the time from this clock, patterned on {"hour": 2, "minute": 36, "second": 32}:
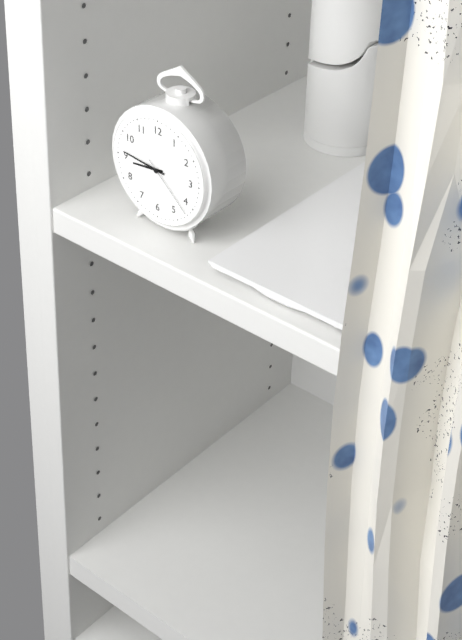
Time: {"hour": 8, "minute": 46, "second": 22}
